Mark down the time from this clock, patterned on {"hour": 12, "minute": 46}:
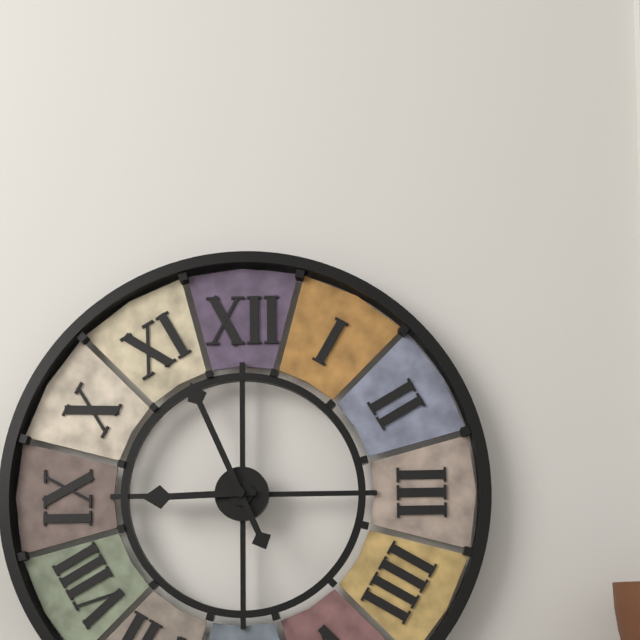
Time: {"hour": 8, "minute": 56}
